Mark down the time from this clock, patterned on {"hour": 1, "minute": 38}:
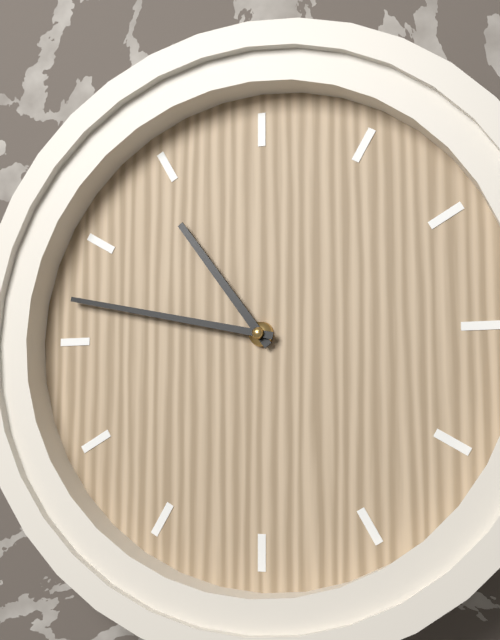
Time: {"hour": 10, "minute": 47}
